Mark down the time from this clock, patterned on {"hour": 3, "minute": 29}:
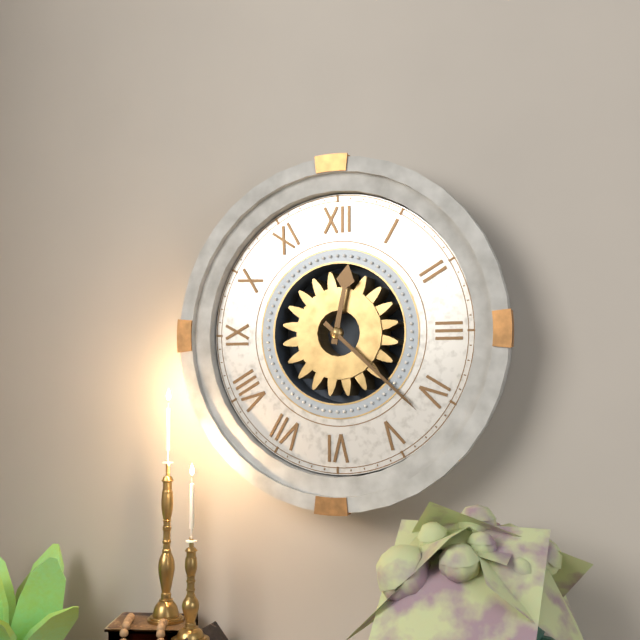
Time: {"hour": 12, "minute": 22}
